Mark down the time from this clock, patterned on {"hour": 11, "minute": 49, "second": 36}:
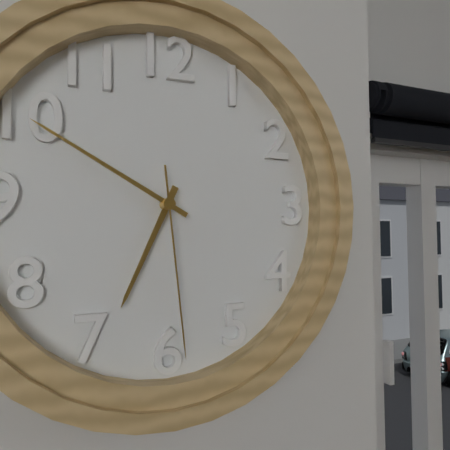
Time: {"hour": 6, "minute": 50, "second": 29}
